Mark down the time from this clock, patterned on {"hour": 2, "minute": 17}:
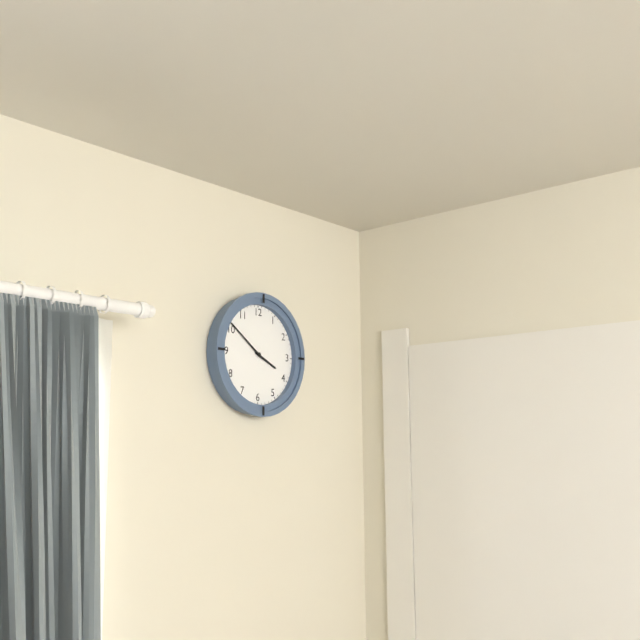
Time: {"hour": 3, "minute": 51}
